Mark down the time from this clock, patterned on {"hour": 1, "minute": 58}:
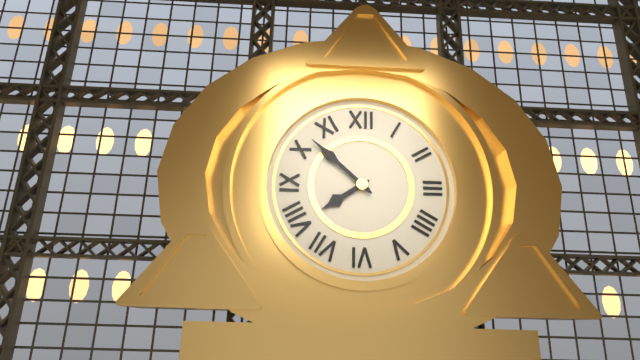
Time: {"hour": 7, "minute": 52}
